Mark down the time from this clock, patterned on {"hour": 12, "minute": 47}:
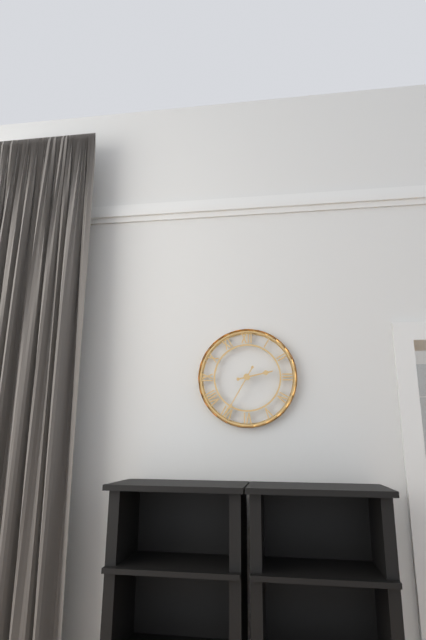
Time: {"hour": 2, "minute": 35}
